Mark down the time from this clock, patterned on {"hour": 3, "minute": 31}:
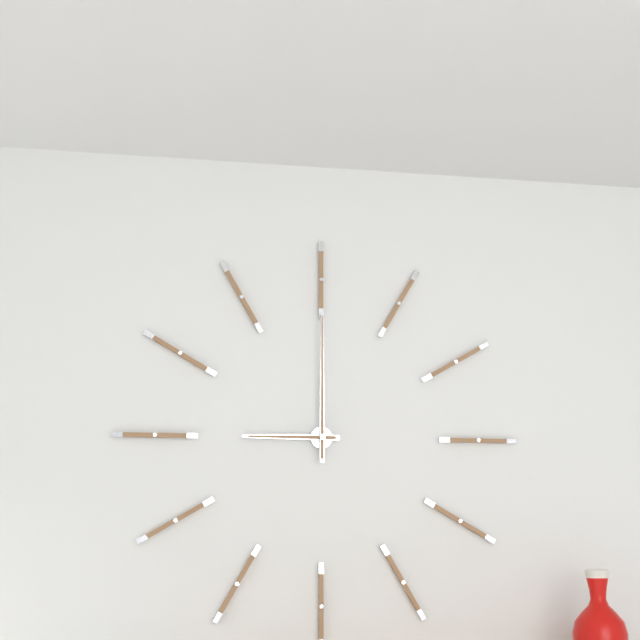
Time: {"hour": 9, "minute": 0}
